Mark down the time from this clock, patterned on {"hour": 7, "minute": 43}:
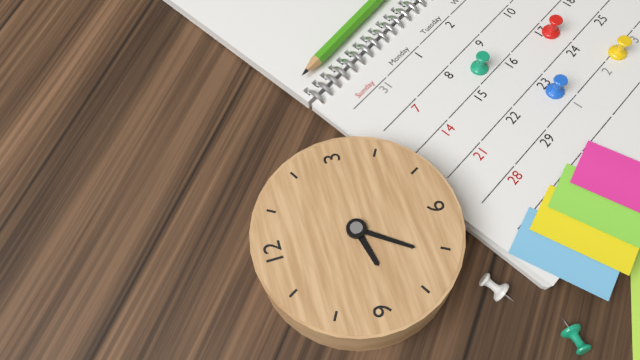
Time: {"hour": 8, "minute": 36}
